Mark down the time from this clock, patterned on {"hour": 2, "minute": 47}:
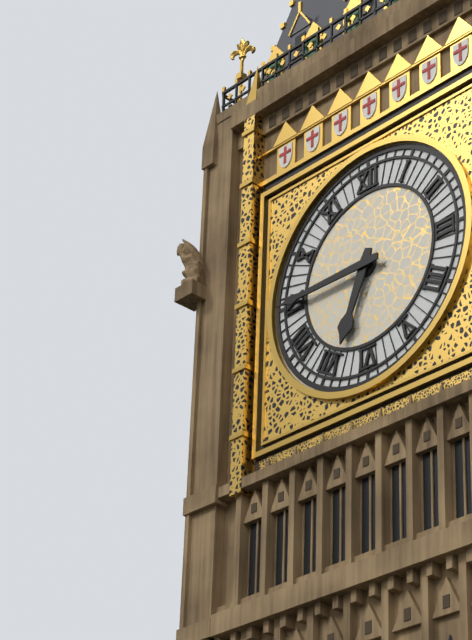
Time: {"hour": 6, "minute": 45}
